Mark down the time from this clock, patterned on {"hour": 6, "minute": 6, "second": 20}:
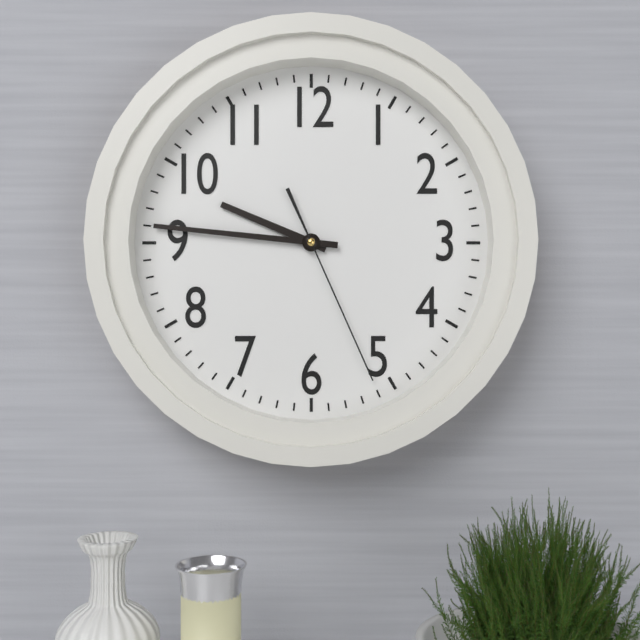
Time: {"hour": 9, "minute": 46, "second": 26}
